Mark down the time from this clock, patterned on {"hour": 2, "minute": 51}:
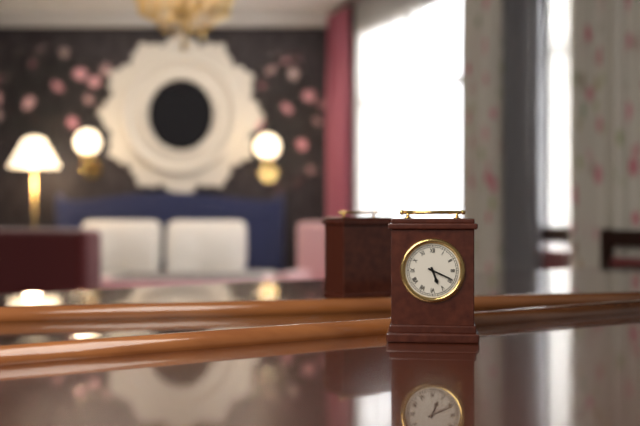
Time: {"hour": 5, "minute": 19}
